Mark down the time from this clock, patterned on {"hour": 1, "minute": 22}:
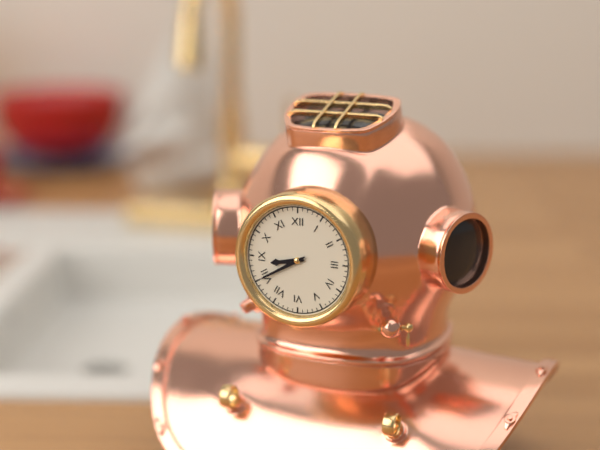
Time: {"hour": 8, "minute": 40}
